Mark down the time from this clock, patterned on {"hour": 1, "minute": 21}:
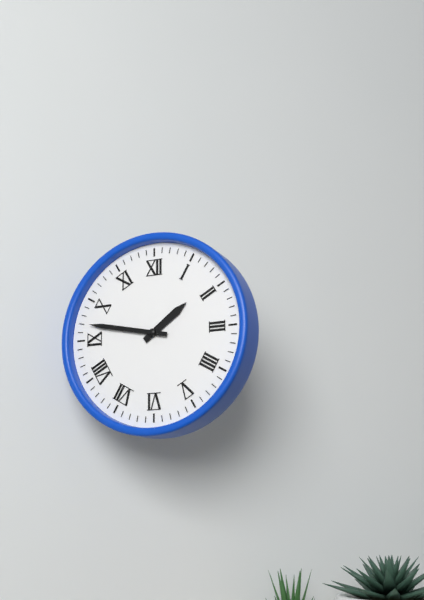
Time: {"hour": 1, "minute": 47}
